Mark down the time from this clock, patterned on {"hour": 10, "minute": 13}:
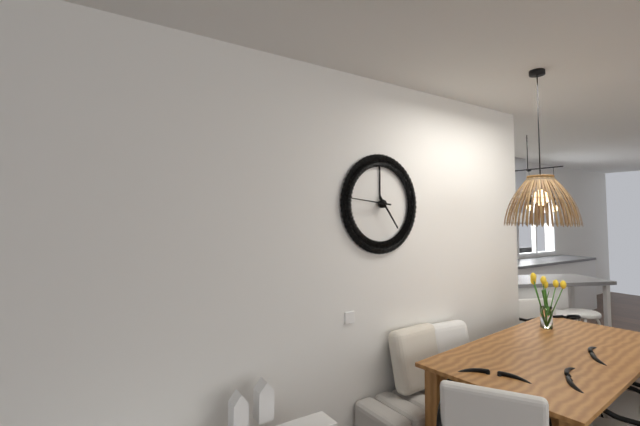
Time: {"hour": 4, "minute": 46}
